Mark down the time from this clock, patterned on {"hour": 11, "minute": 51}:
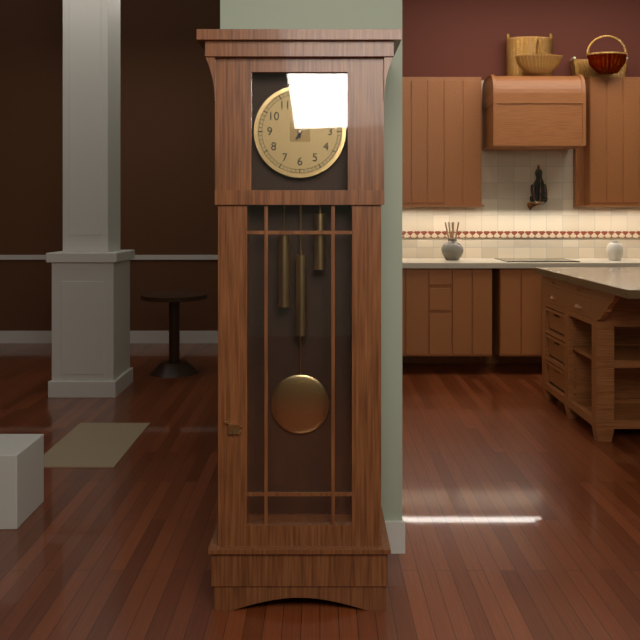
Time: {"hour": 12, "minute": 4}
